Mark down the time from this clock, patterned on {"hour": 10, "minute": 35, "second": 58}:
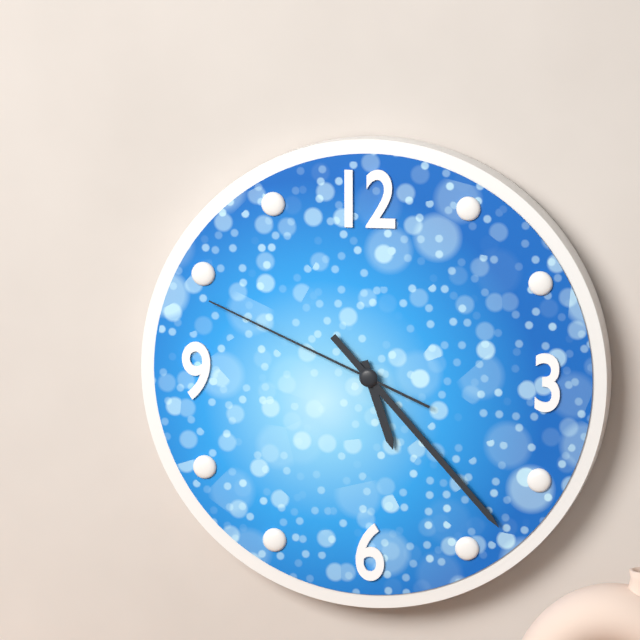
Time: {"hour": 5, "minute": 23, "second": 49}
